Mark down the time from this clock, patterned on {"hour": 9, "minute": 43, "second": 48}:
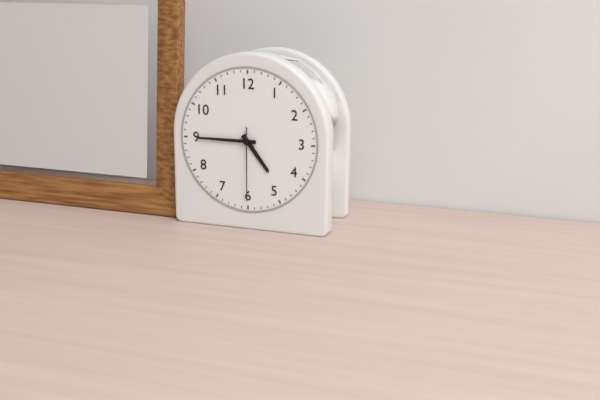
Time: {"hour": 4, "minute": 45, "second": 30}
